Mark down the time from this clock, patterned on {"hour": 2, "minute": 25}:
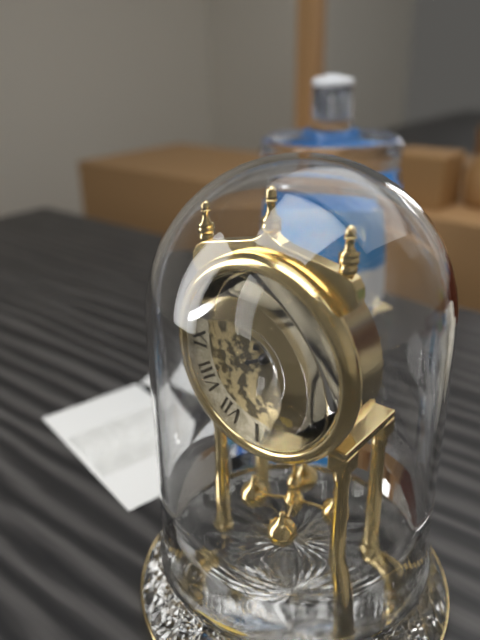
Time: {"hour": 4, "minute": 11}
